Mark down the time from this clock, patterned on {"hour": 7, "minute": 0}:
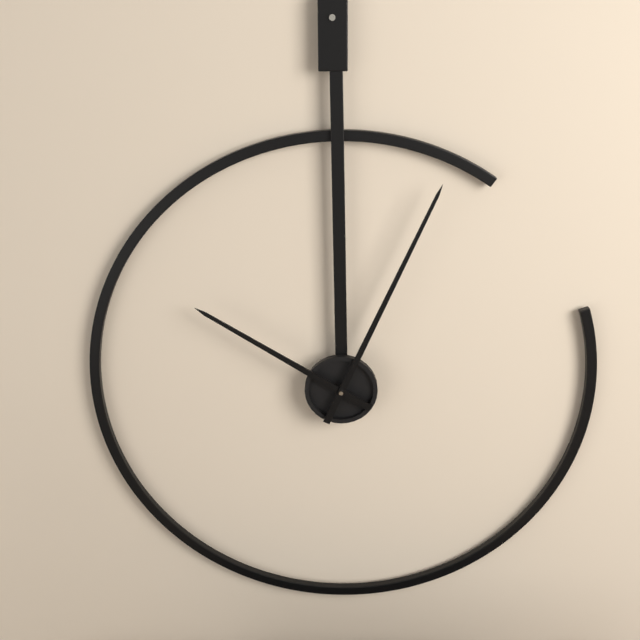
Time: {"hour": 10, "minute": 4}
